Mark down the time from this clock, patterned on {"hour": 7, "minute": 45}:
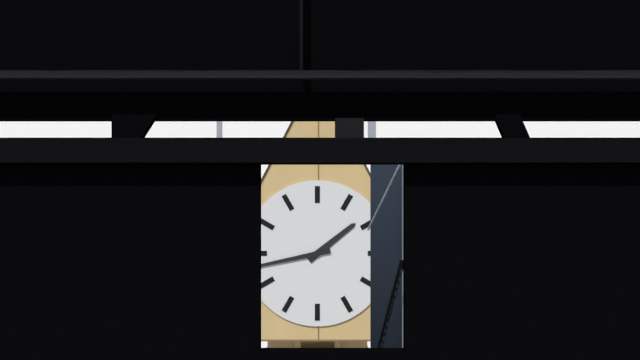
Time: {"hour": 1, "minute": 43}
